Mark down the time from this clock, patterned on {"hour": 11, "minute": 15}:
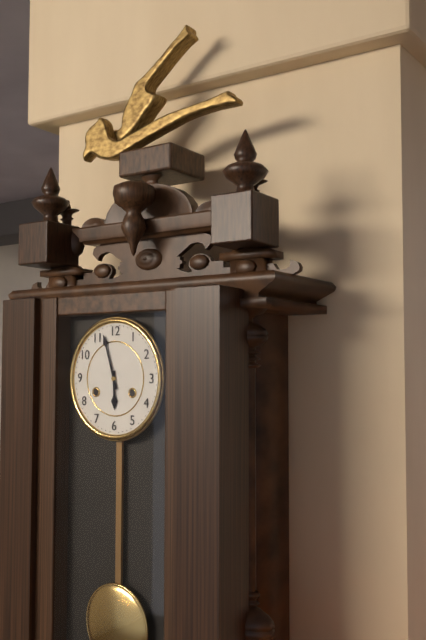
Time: {"hour": 5, "minute": 57}
